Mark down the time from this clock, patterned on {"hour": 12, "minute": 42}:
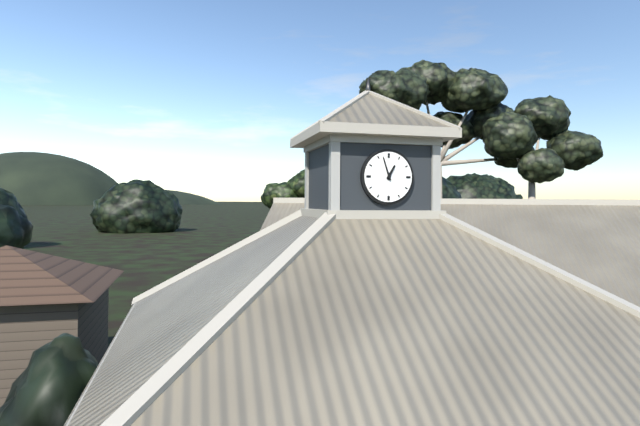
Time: {"hour": 12, "minute": 57}
